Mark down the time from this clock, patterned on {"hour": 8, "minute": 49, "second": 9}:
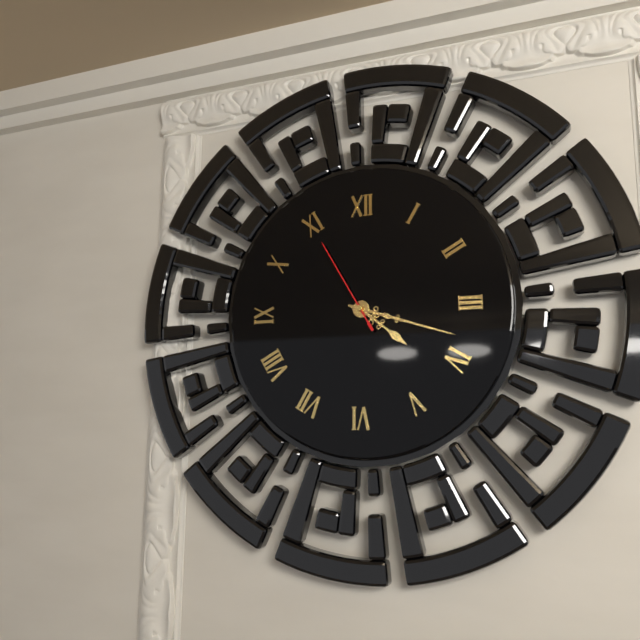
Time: {"hour": 4, "minute": 18, "second": 55}
